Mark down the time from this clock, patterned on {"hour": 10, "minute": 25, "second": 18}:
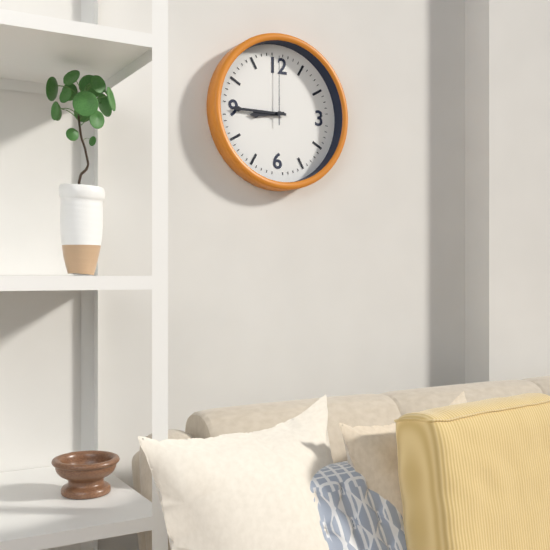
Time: {"hour": 8, "minute": 45, "second": 0}
